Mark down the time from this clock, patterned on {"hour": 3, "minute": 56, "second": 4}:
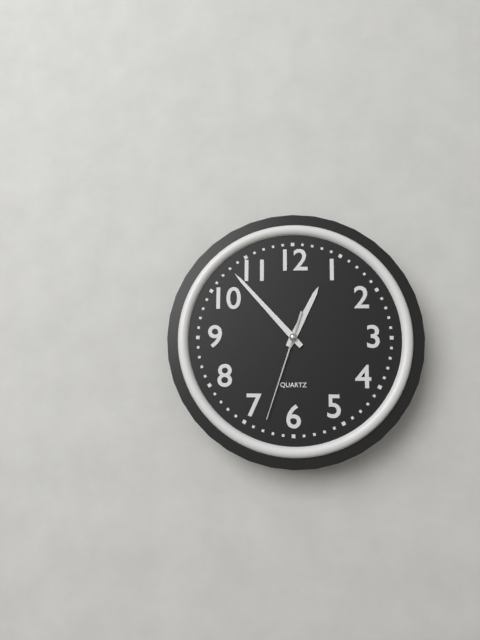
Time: {"hour": 12, "minute": 53, "second": 33}
